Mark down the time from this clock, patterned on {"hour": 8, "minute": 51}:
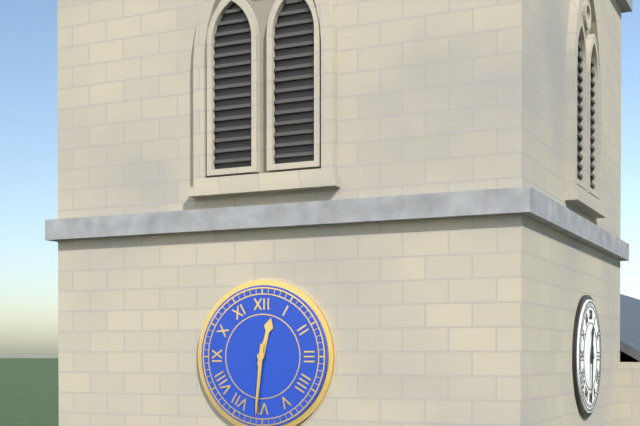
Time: {"hour": 12, "minute": 31}
